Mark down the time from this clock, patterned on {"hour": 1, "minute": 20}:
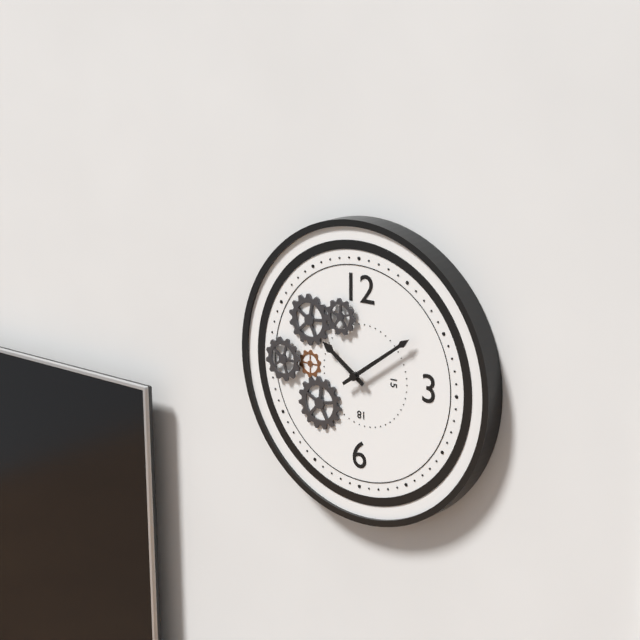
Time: {"hour": 10, "minute": 9}
